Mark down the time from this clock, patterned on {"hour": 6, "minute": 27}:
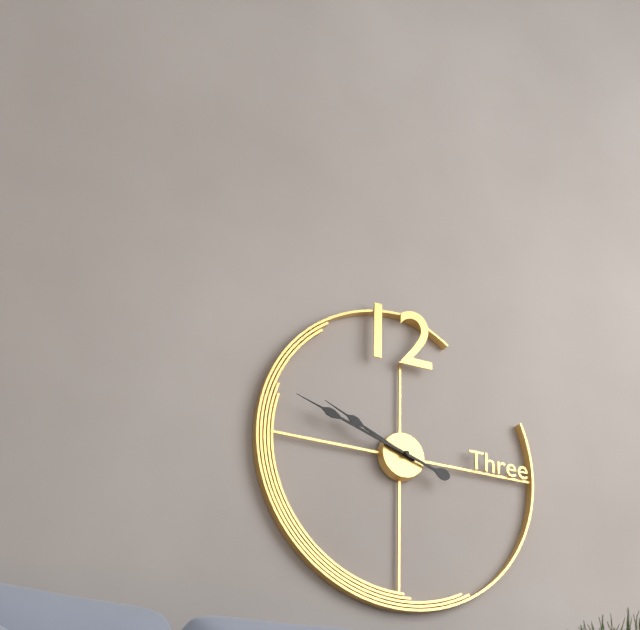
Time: {"hour": 9, "minute": 48}
